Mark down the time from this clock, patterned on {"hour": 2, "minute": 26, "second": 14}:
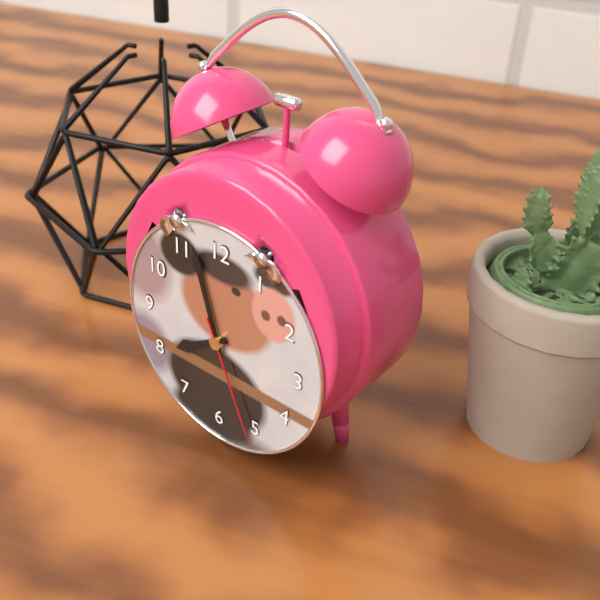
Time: {"hour": 7, "minute": 57, "second": 26}
